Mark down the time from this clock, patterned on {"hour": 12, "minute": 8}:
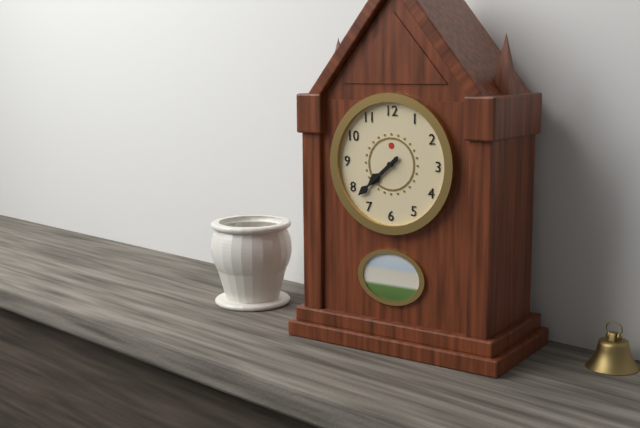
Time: {"hour": 7, "minute": 38}
